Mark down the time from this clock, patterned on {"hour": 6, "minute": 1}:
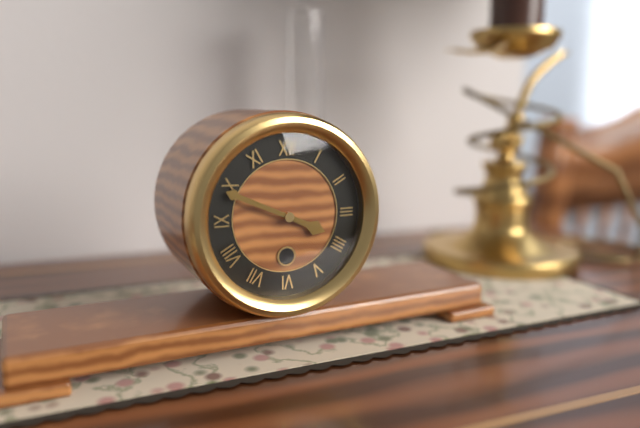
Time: {"hour": 3, "minute": 49}
